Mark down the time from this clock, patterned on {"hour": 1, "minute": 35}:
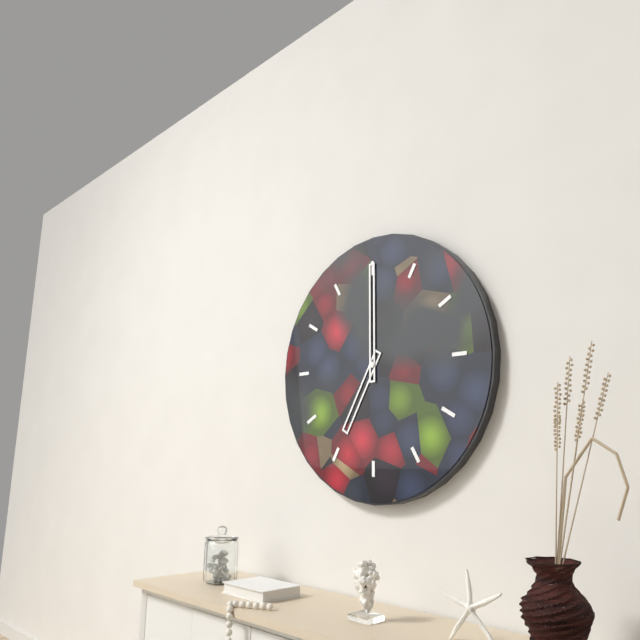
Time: {"hour": 7, "minute": 0}
